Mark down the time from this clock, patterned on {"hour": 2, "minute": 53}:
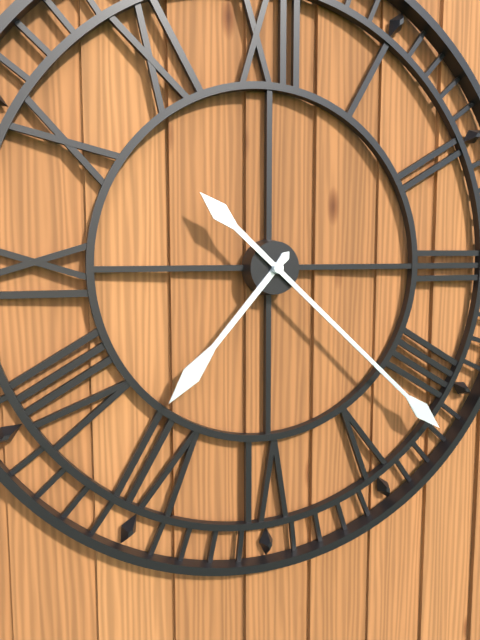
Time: {"hour": 7, "minute": 22}
